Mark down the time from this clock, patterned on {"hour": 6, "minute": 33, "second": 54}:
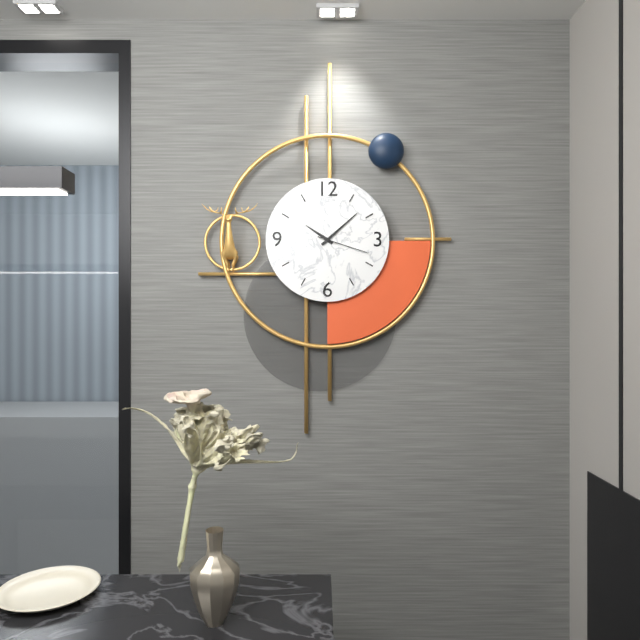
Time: {"hour": 10, "minute": 8, "second": 18}
